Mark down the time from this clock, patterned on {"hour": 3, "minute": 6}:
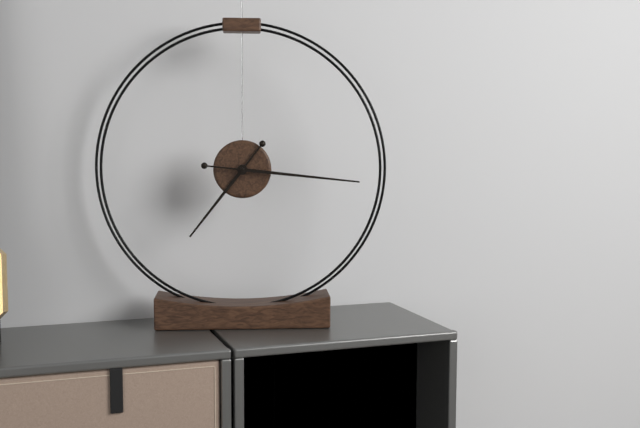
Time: {"hour": 7, "minute": 16}
